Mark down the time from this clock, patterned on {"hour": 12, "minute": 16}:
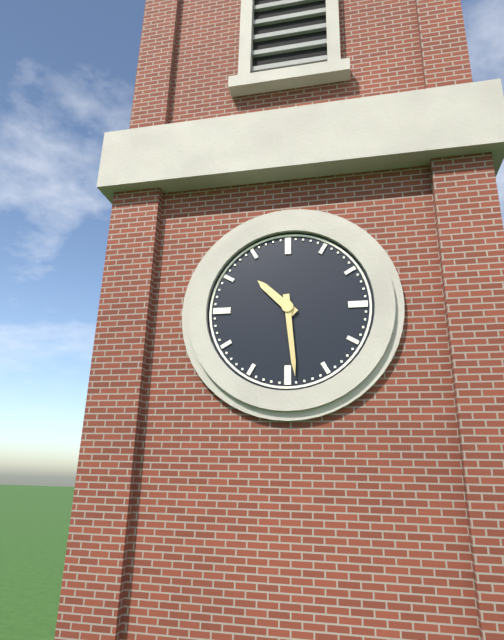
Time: {"hour": 10, "minute": 29}
